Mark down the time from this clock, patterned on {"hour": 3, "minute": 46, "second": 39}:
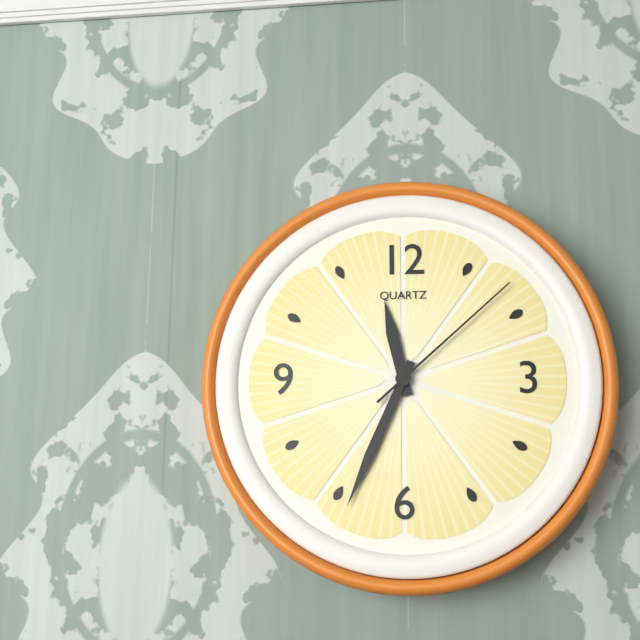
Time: {"hour": 11, "minute": 34, "second": 8}
